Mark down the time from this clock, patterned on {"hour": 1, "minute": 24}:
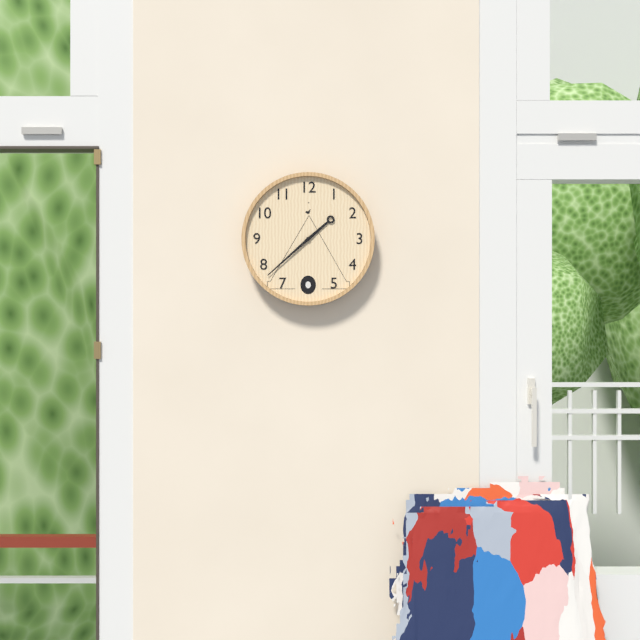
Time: {"hour": 1, "minute": 38}
